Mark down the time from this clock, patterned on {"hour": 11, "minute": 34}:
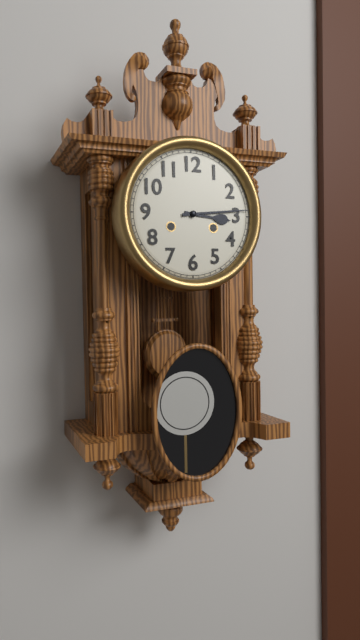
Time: {"hour": 3, "minute": 14}
